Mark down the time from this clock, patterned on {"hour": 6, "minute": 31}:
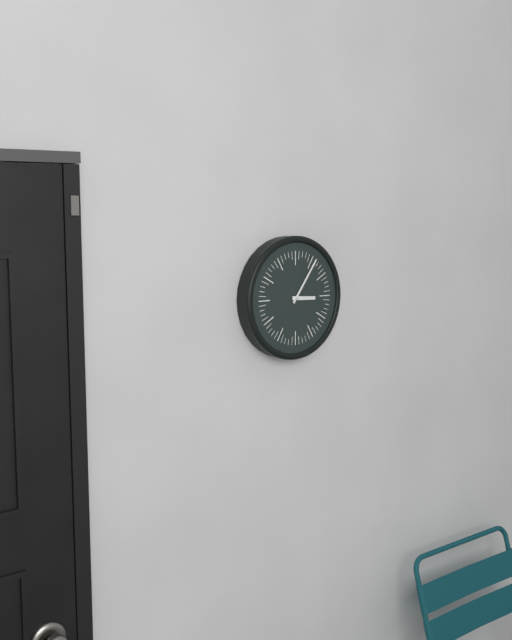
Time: {"hour": 3, "minute": 6}
